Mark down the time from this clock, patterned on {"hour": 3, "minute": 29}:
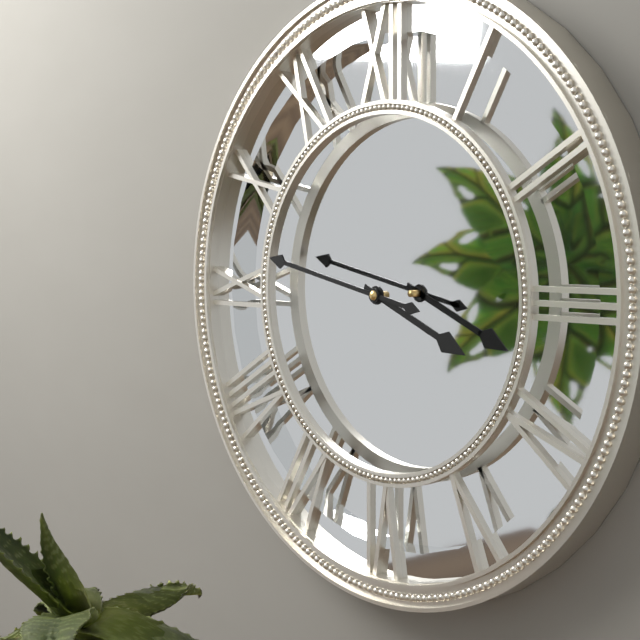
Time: {"hour": 3, "minute": 47}
